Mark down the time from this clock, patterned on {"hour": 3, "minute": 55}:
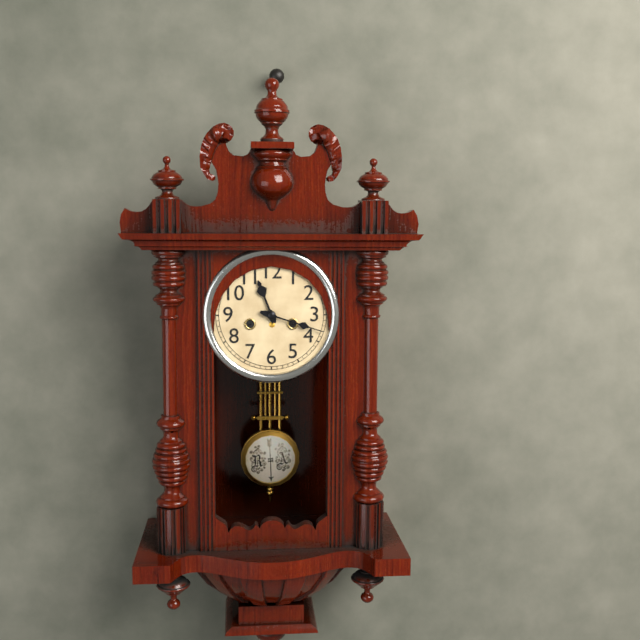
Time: {"hour": 11, "minute": 18}
